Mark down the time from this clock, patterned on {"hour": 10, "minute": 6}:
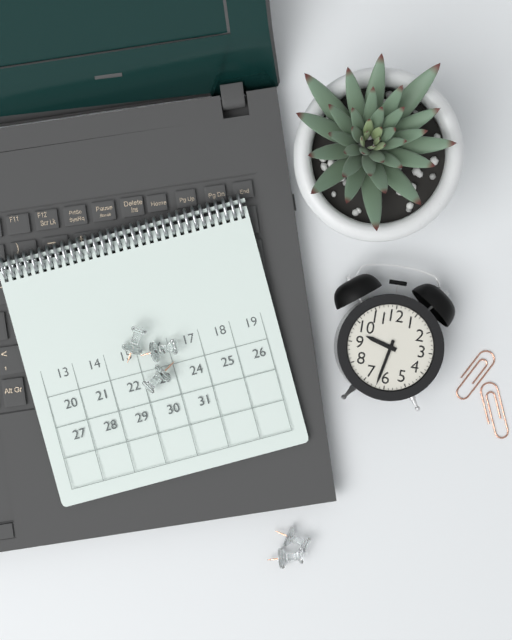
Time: {"hour": 9, "minute": 32}
